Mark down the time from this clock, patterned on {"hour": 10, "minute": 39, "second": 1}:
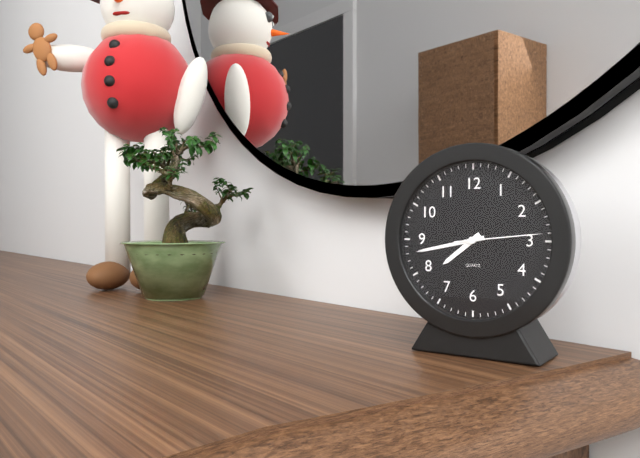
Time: {"hour": 7, "minute": 43, "second": 14}
